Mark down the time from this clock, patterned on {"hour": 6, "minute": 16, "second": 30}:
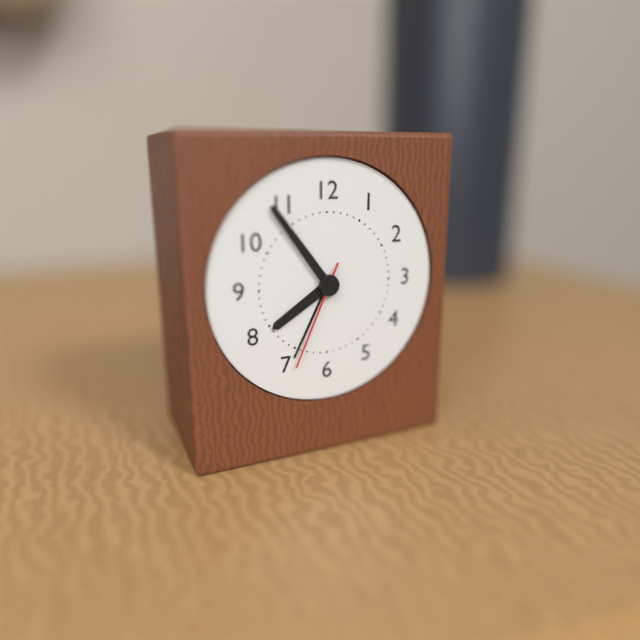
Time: {"hour": 7, "minute": 54, "second": 34}
